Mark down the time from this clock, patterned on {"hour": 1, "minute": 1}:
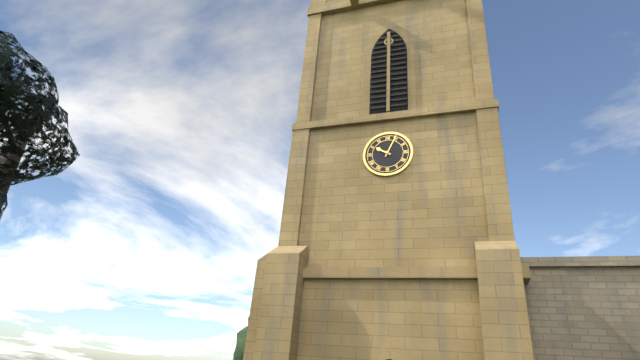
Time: {"hour": 10, "minute": 4}
